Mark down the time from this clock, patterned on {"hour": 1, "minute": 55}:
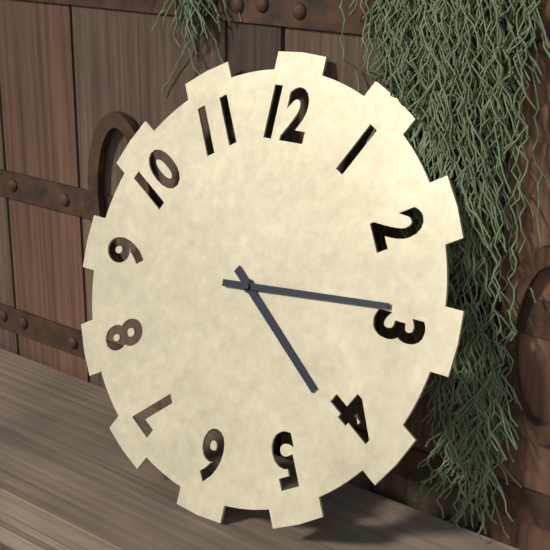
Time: {"hour": 4, "minute": 14}
